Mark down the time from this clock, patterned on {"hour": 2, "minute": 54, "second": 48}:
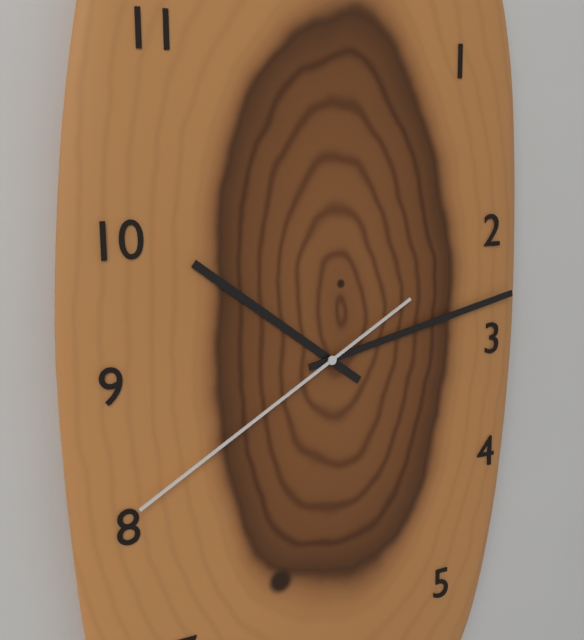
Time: {"hour": 10, "minute": 13, "second": 40}
